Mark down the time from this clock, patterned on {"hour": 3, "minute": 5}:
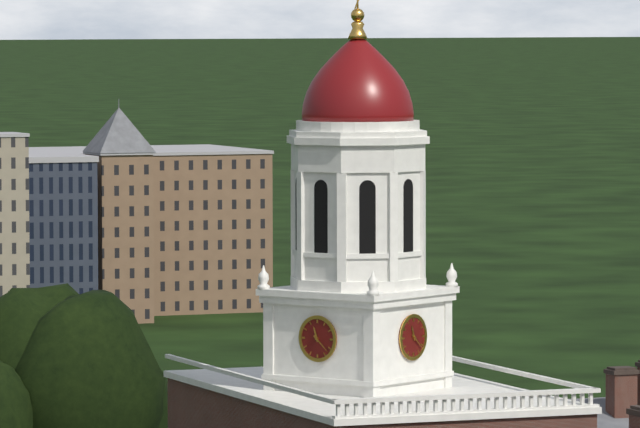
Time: {"hour": 11, "minute": 22}
